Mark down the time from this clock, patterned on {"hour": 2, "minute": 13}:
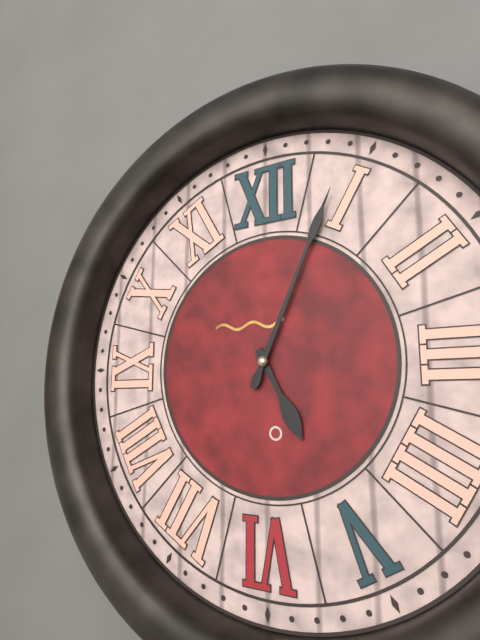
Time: {"hour": 5, "minute": 4}
